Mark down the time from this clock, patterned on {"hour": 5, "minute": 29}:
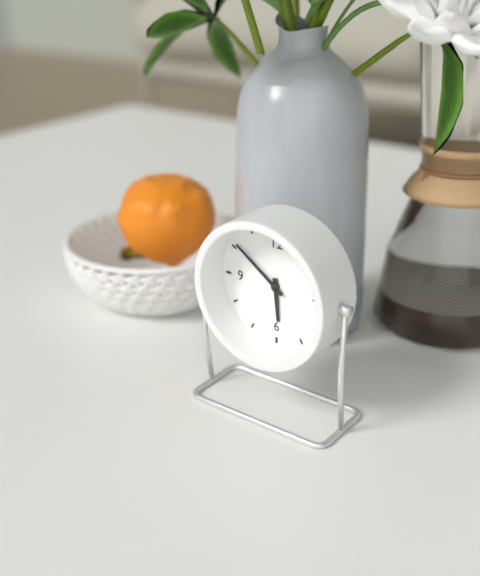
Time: {"hour": 5, "minute": 51}
